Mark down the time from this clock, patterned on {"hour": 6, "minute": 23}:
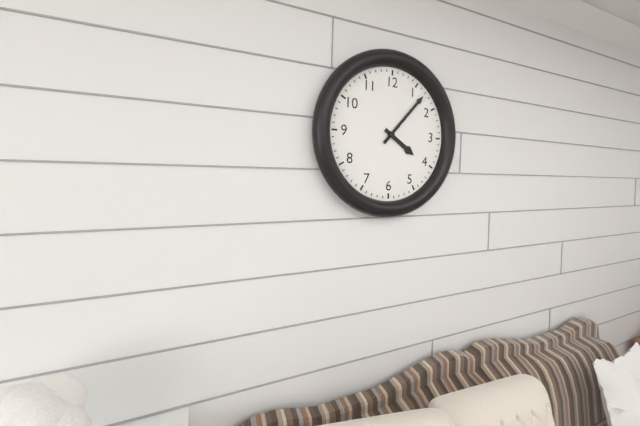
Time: {"hour": 4, "minute": 7}
